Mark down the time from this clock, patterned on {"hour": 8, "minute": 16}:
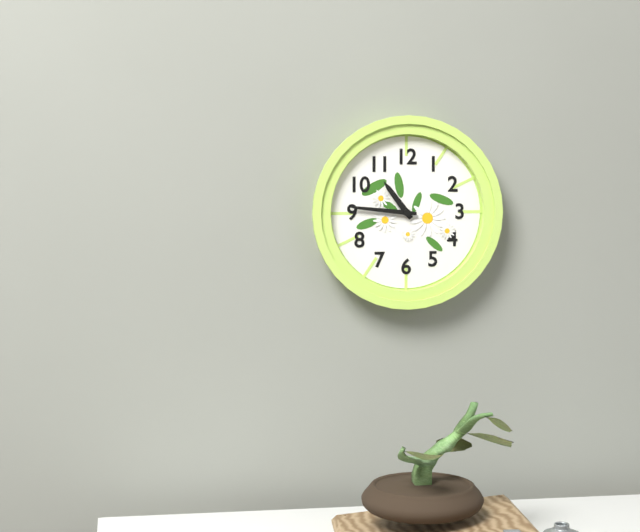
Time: {"hour": 10, "minute": 46}
